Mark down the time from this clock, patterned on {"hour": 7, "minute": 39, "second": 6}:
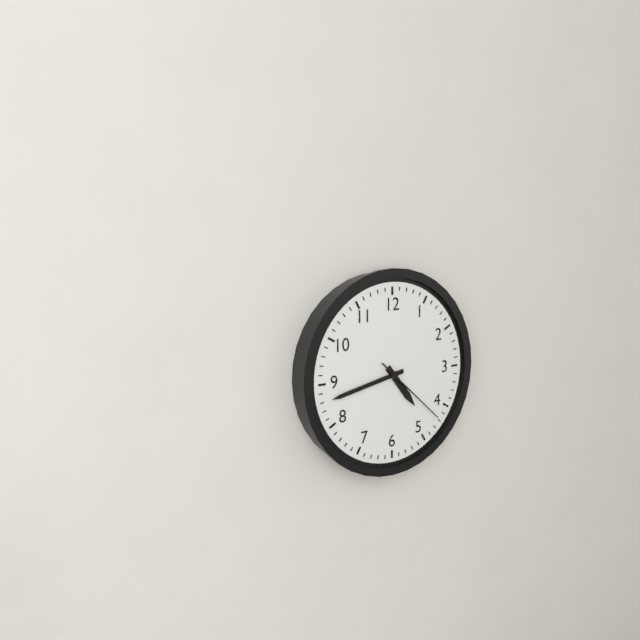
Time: {"hour": 4, "minute": 43, "second": 22}
